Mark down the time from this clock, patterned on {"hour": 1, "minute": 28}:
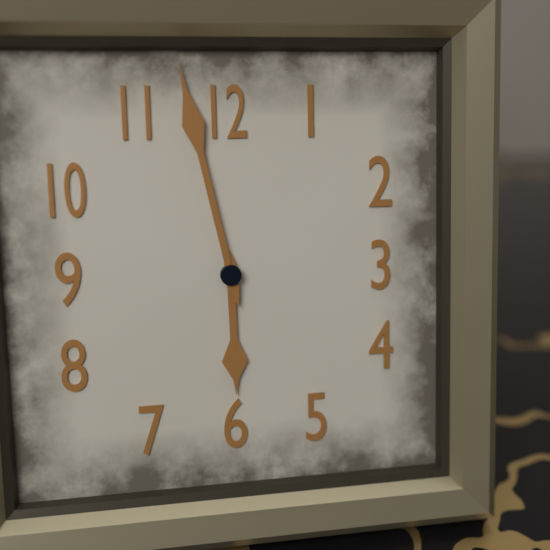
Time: {"hour": 5, "minute": 58}
